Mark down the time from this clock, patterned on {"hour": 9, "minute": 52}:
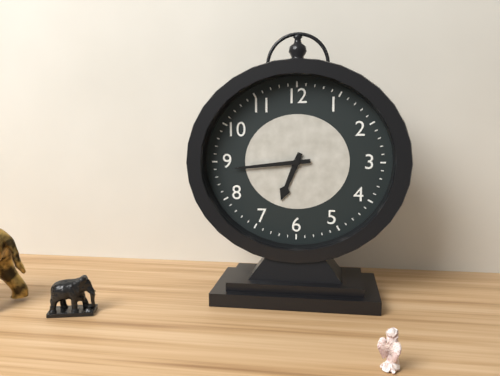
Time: {"hour": 6, "minute": 44}
